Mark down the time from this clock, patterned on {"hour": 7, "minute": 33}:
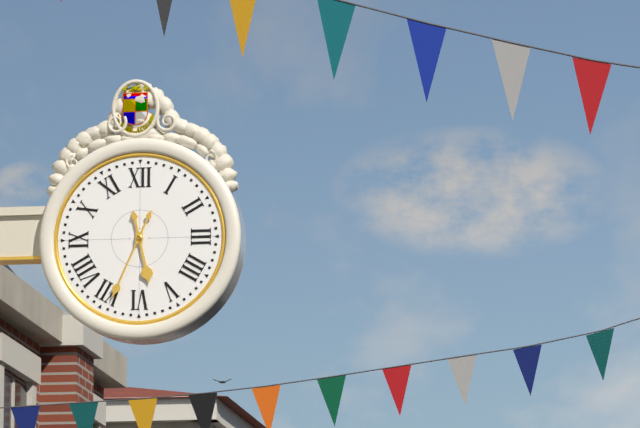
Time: {"hour": 5, "minute": 34}
